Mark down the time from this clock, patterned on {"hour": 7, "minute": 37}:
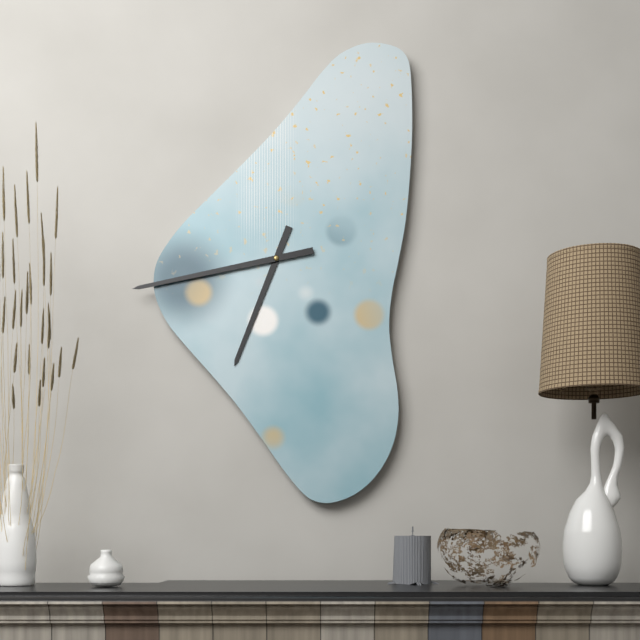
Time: {"hour": 6, "minute": 43}
